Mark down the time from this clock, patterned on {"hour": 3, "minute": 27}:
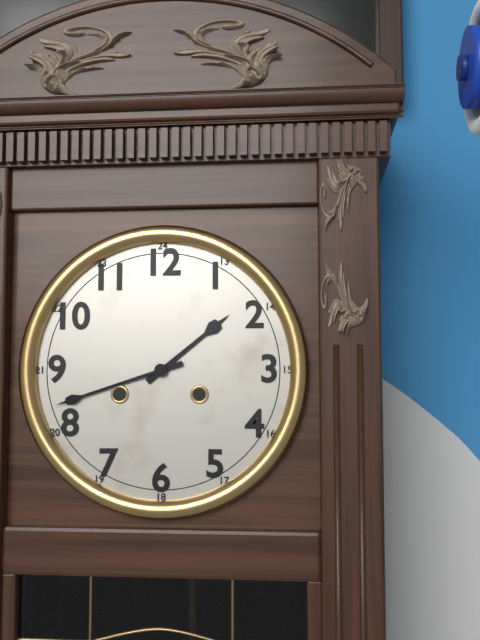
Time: {"hour": 1, "minute": 42}
